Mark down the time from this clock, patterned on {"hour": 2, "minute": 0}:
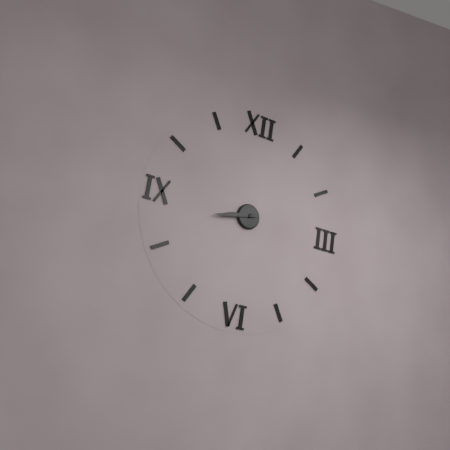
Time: {"hour": 8, "minute": 43}
